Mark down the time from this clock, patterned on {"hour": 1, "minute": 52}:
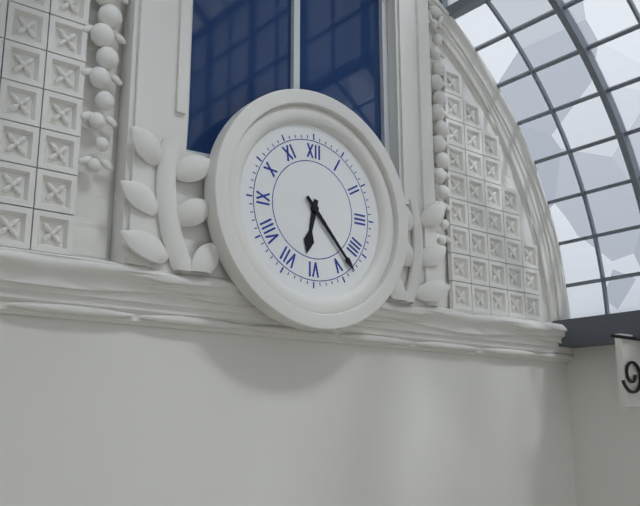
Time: {"hour": 6, "minute": 23}
